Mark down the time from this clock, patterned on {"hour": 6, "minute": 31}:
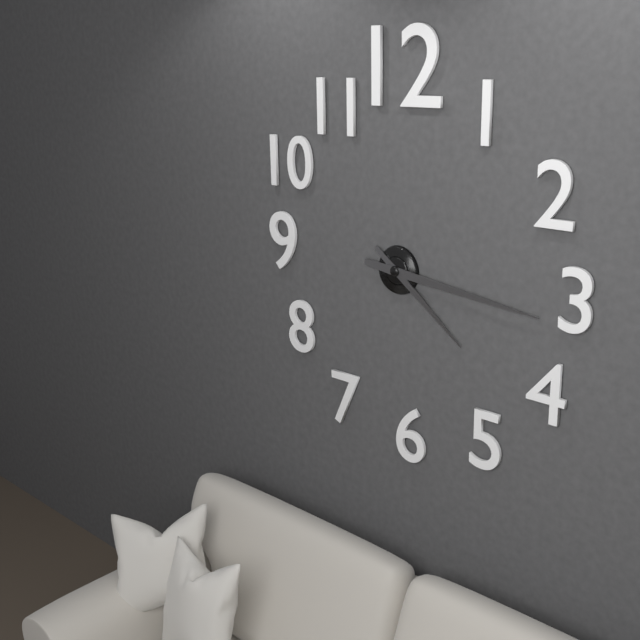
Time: {"hour": 4, "minute": 16}
